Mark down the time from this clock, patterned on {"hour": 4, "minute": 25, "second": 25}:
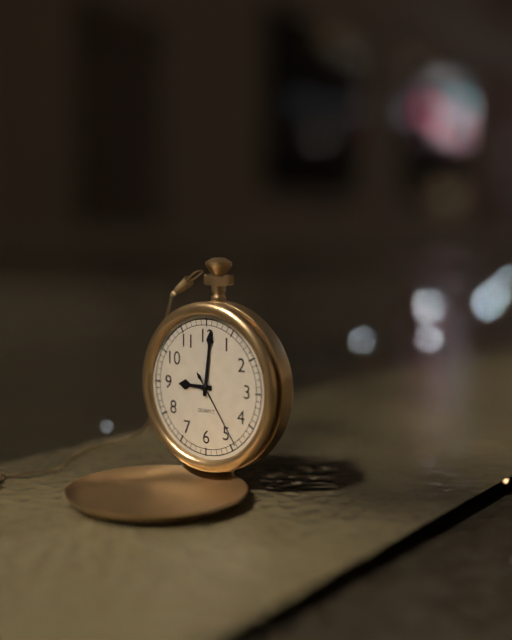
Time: {"hour": 9, "minute": 1, "second": 24}
